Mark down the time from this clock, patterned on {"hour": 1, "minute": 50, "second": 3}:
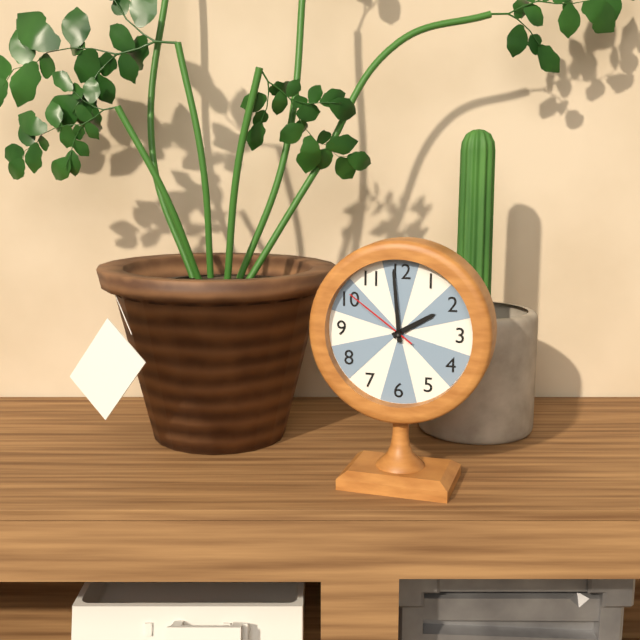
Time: {"hour": 1, "minute": 59, "second": 51}
